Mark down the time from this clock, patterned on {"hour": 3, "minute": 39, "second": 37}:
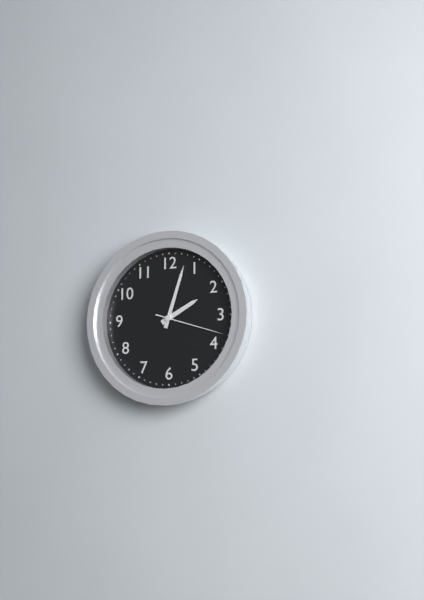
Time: {"hour": 2, "minute": 3, "second": 18}
